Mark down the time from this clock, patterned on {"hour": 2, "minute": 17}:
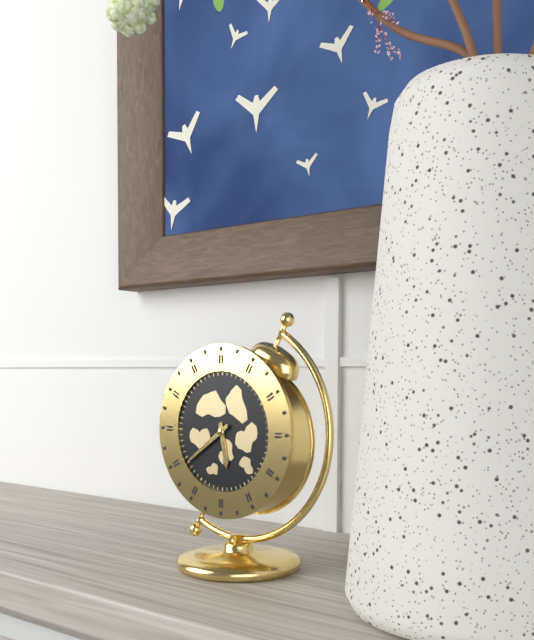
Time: {"hour": 5, "minute": 39}
